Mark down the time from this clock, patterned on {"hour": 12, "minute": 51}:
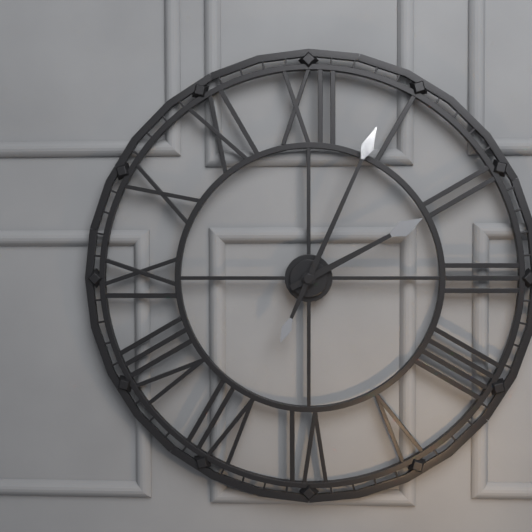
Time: {"hour": 2, "minute": 4}
